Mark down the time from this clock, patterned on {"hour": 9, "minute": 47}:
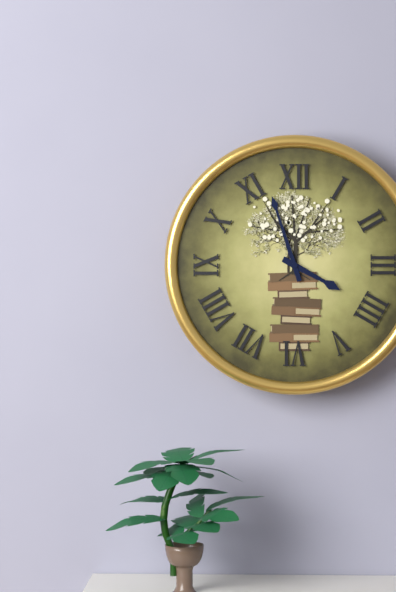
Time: {"hour": 3, "minute": 57}
